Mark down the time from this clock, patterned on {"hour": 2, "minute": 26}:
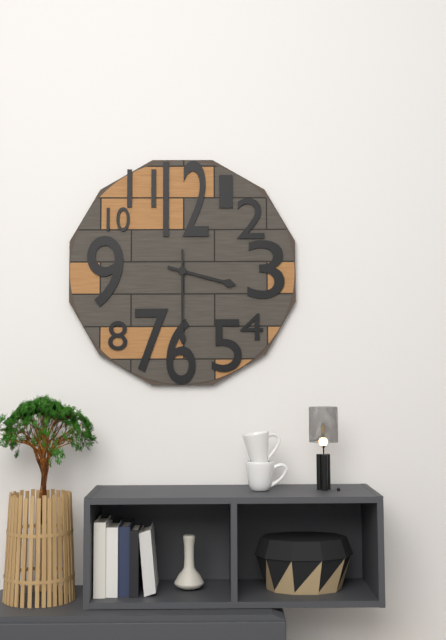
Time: {"hour": 3, "minute": 30}
